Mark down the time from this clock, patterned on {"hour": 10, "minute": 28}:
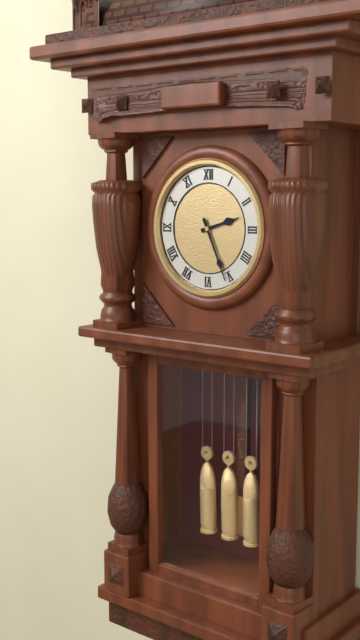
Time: {"hour": 2, "minute": 26}
